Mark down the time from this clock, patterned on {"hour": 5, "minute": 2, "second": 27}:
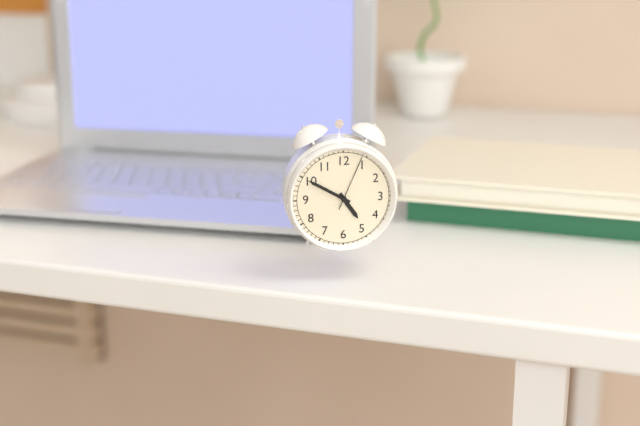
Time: {"hour": 4, "minute": 50, "second": 4}
